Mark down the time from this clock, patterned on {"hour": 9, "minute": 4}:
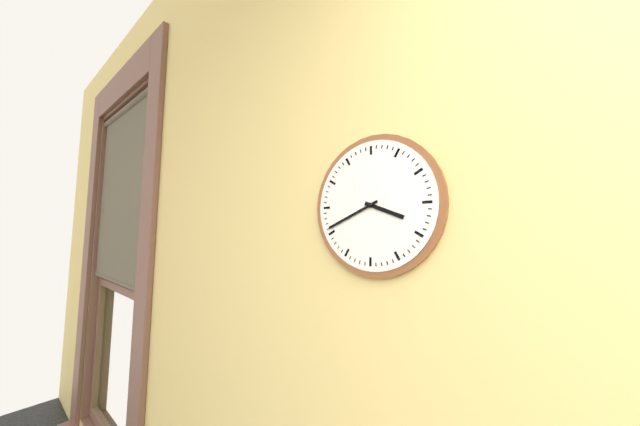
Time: {"hour": 3, "minute": 41}
